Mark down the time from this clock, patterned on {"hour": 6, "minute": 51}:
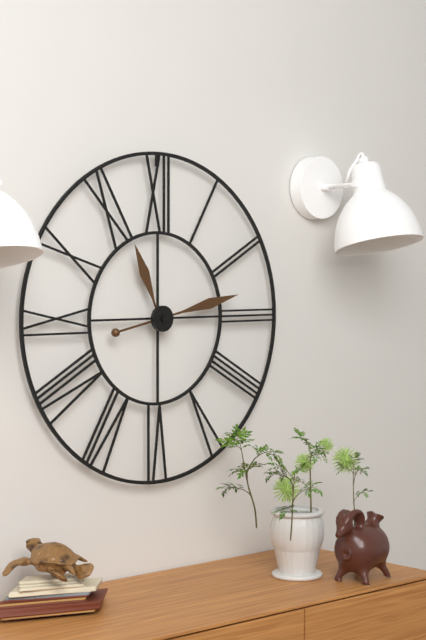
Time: {"hour": 11, "minute": 13}
